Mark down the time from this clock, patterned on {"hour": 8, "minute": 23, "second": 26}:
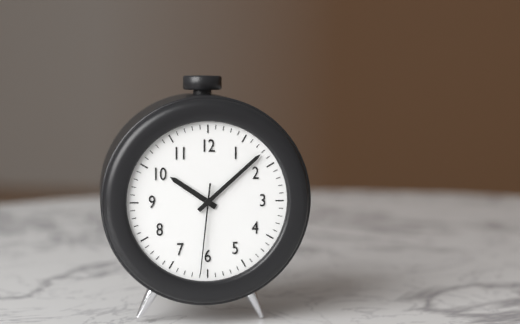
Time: {"hour": 10, "minute": 8, "second": 31}
